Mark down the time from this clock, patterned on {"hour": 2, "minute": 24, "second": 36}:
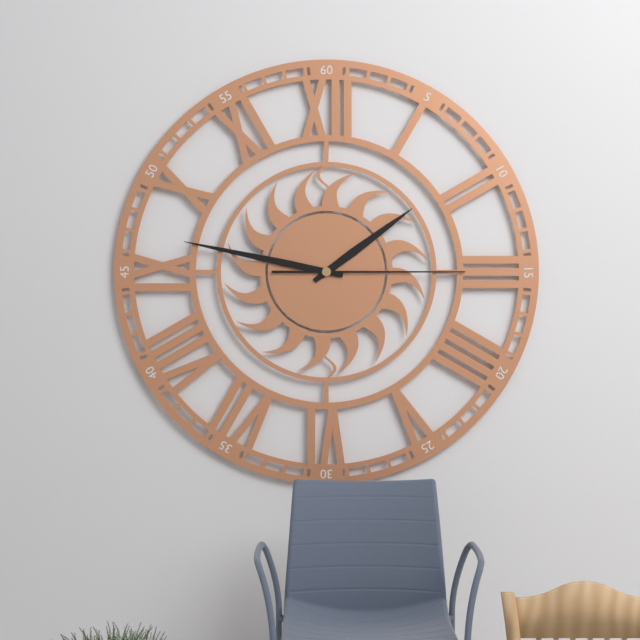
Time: {"hour": 1, "minute": 47, "second": 15}
